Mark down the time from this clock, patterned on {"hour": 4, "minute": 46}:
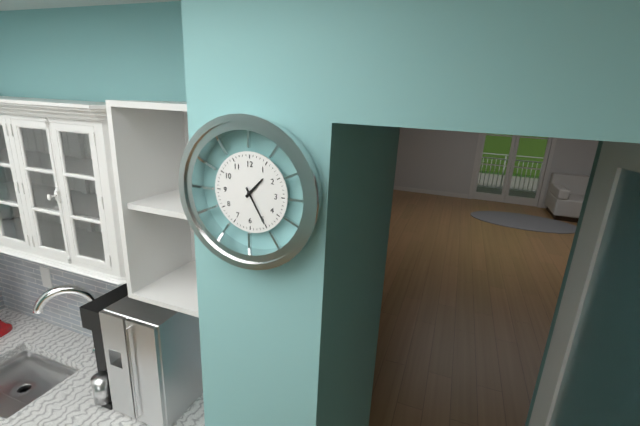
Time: {"hour": 1, "minute": 25}
